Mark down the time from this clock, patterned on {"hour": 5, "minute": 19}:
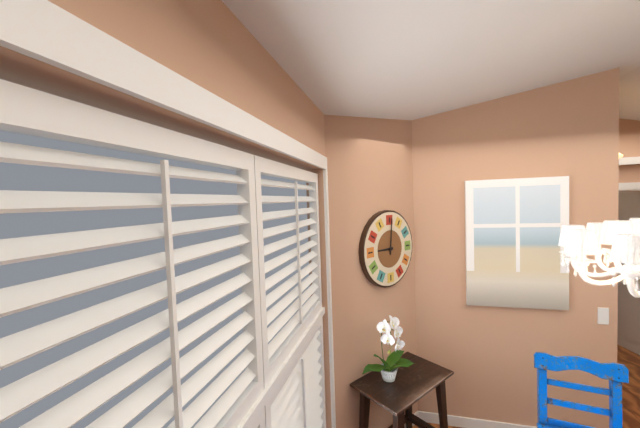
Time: {"hour": 9, "minute": 1}
